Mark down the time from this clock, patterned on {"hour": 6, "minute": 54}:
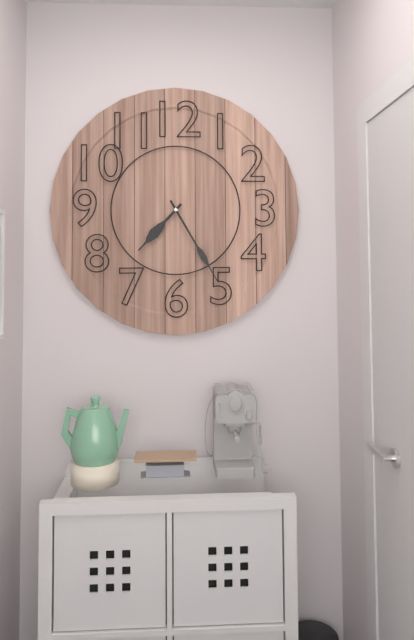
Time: {"hour": 7, "minute": 25}
